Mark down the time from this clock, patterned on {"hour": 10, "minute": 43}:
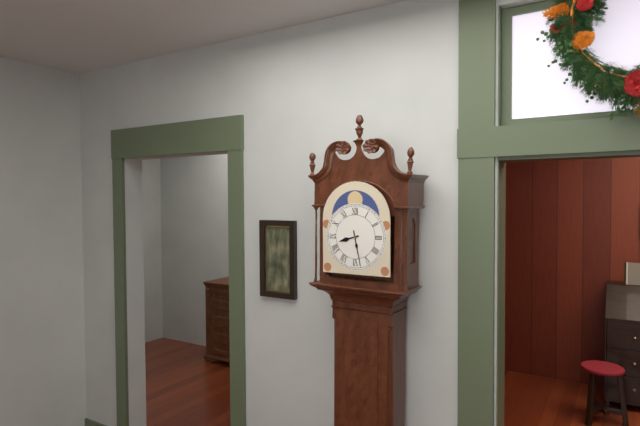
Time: {"hour": 8, "minute": 28}
